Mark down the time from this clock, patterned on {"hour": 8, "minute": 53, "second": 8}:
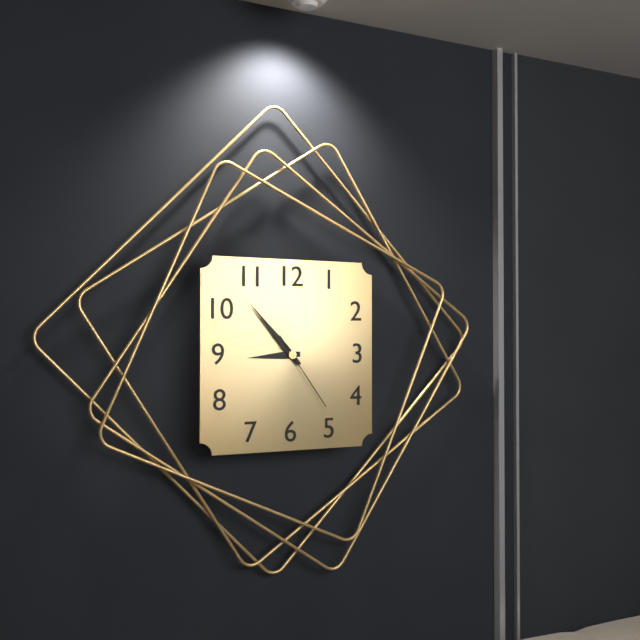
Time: {"hour": 8, "minute": 53, "second": 24}
